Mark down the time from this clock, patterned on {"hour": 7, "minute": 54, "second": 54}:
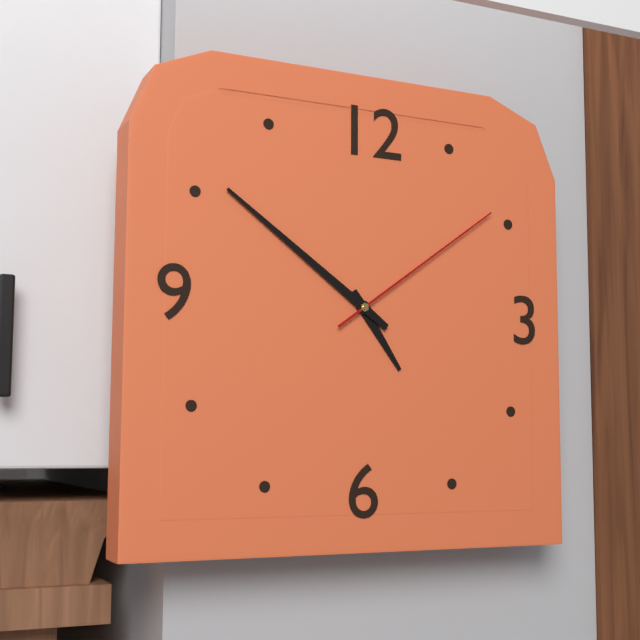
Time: {"hour": 4, "minute": 51, "second": 9}
